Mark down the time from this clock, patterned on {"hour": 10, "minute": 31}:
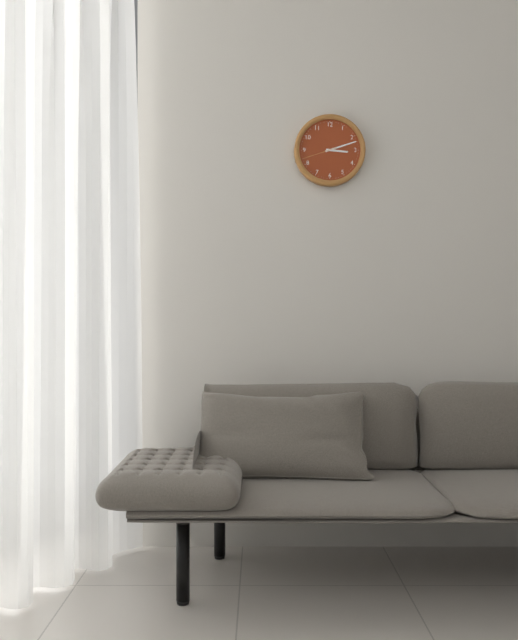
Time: {"hour": 3, "minute": 12}
